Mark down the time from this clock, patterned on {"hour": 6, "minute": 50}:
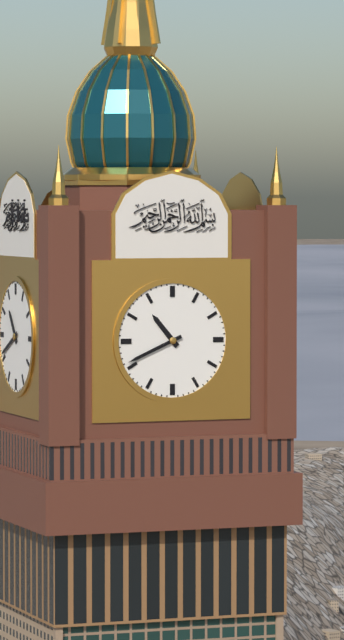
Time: {"hour": 10, "minute": 41}
